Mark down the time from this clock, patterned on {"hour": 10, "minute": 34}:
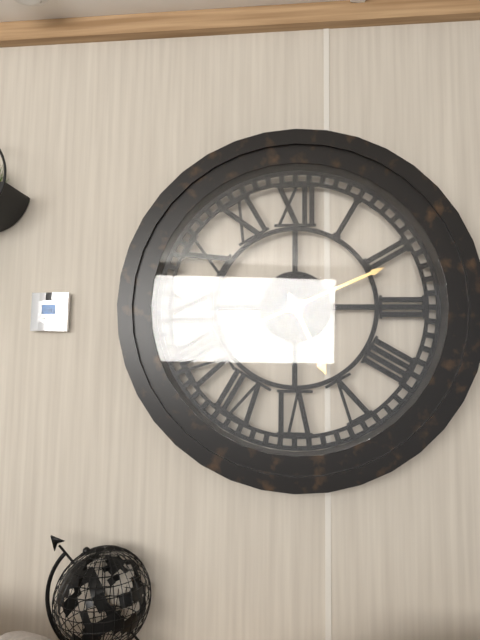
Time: {"hour": 5, "minute": 11}
